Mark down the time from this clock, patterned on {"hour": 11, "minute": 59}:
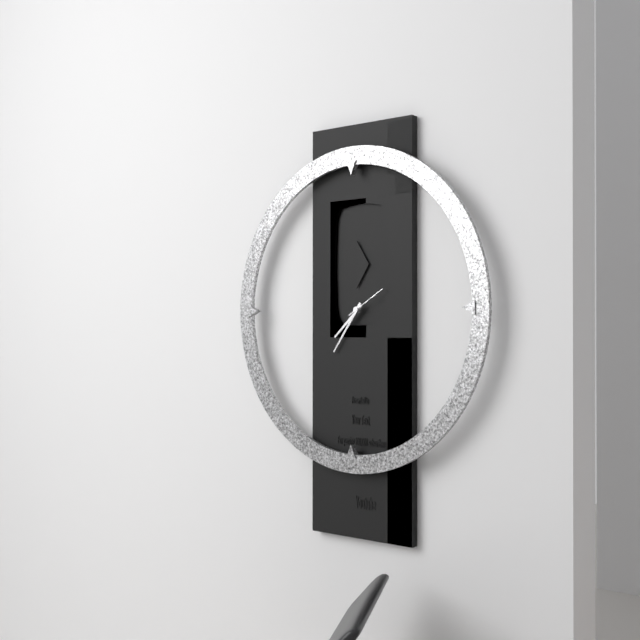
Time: {"hour": 7, "minute": 36}
